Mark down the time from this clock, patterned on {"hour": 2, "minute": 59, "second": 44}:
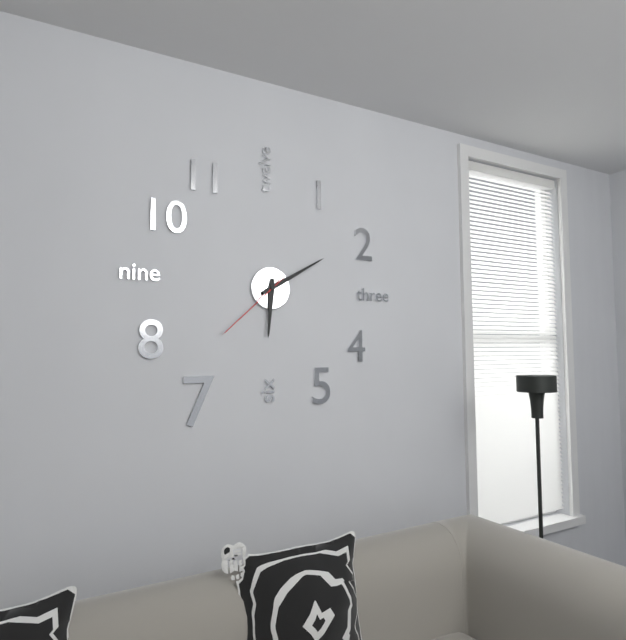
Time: {"hour": 6, "minute": 10, "second": 38}
